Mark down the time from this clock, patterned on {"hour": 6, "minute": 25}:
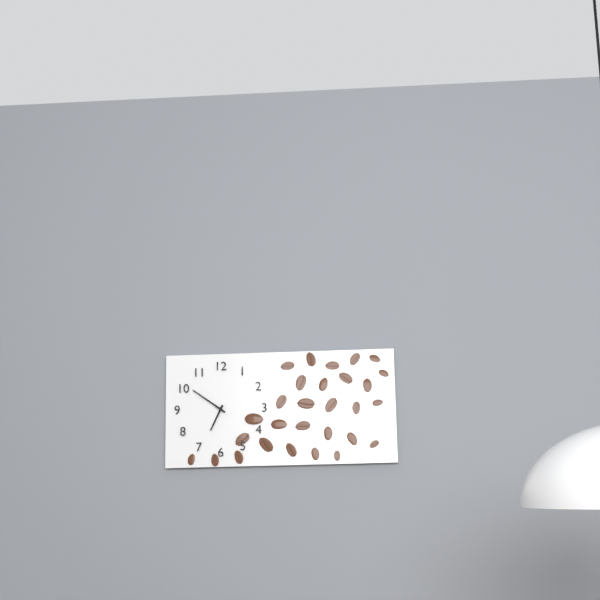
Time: {"hour": 6, "minute": 51}
